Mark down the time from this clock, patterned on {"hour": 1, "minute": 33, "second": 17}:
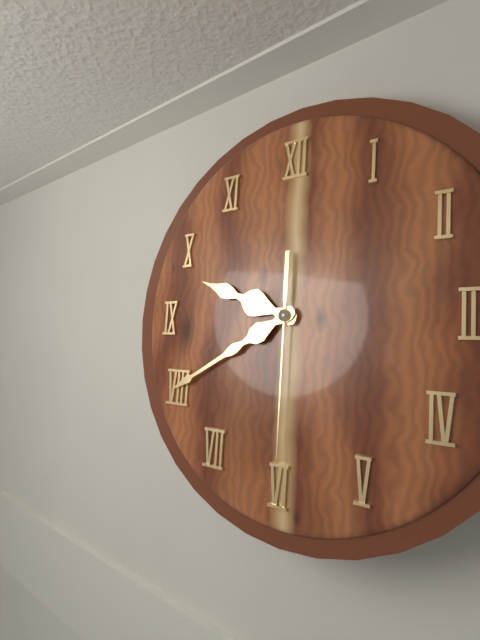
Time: {"hour": 9, "minute": 40, "second": 30}
